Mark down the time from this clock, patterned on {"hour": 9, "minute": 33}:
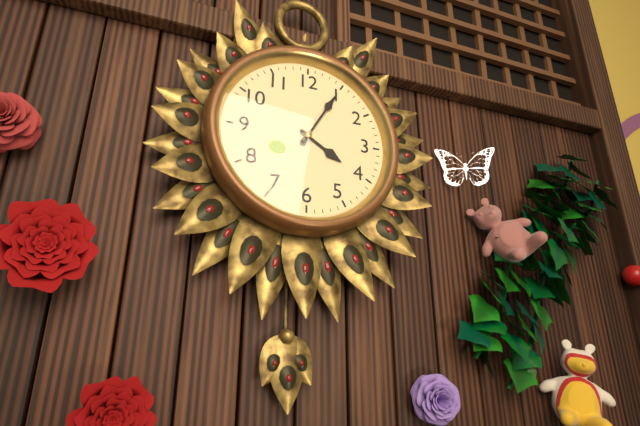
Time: {"hour": 4, "minute": 5}
